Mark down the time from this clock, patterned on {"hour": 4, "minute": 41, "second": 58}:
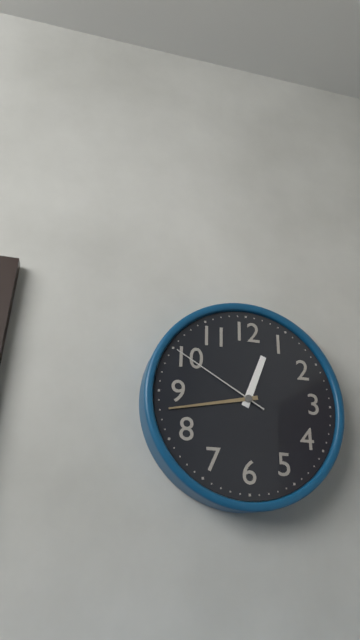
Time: {"hour": 12, "minute": 43, "second": 50}
